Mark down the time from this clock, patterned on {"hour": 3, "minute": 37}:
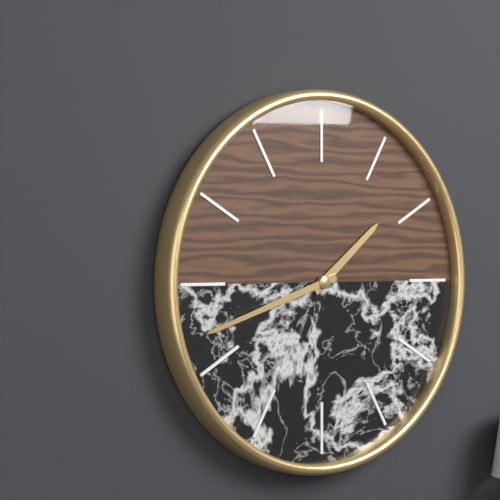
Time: {"hour": 1, "minute": 42}
